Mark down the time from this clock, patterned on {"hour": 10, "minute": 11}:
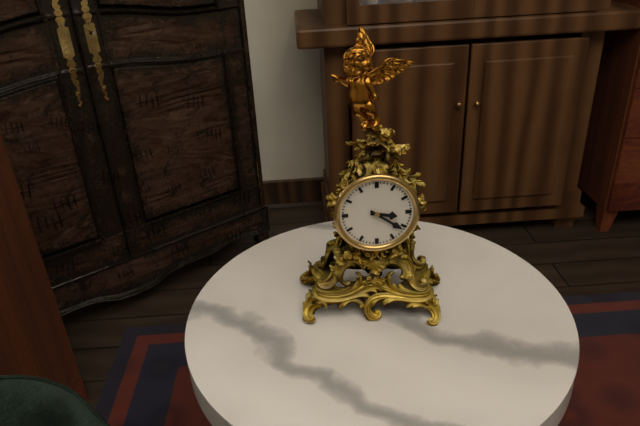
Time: {"hour": 3, "minute": 21}
